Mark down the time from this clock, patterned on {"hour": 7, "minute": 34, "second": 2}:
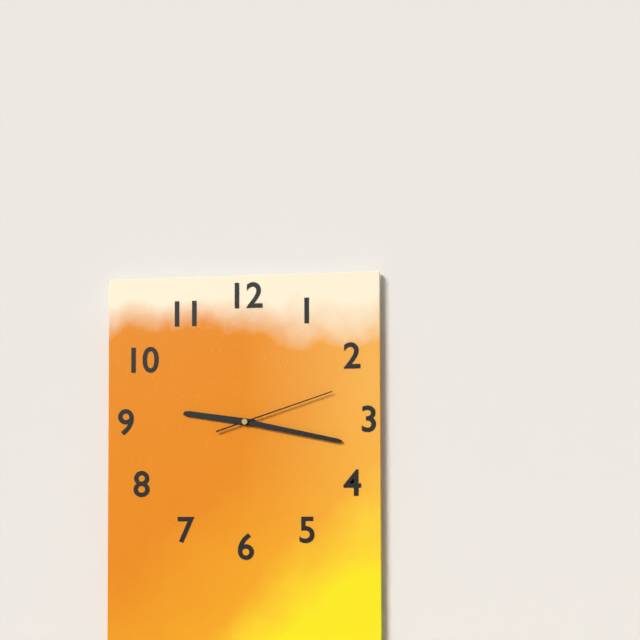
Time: {"hour": 9, "minute": 17, "second": 12}
